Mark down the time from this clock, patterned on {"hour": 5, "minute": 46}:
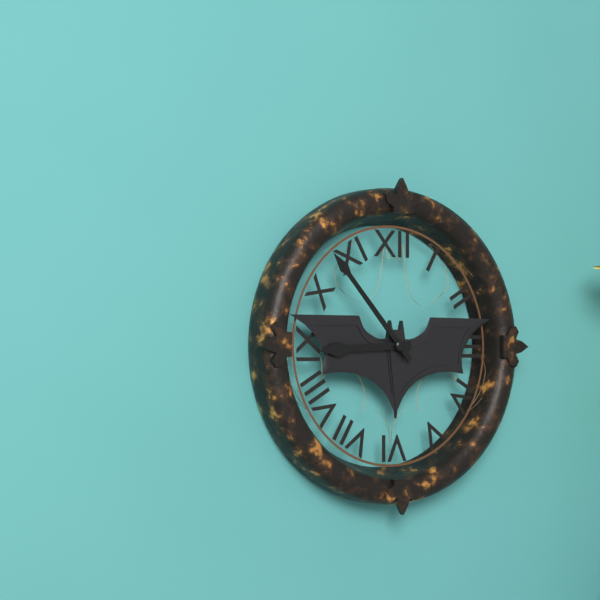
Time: {"hour": 8, "minute": 53}
